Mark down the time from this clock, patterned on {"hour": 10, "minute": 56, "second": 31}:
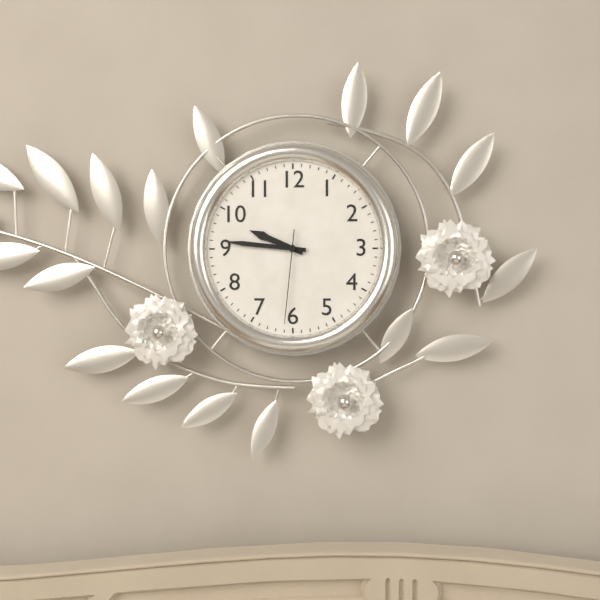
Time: {"hour": 9, "minute": 46, "second": 31}
